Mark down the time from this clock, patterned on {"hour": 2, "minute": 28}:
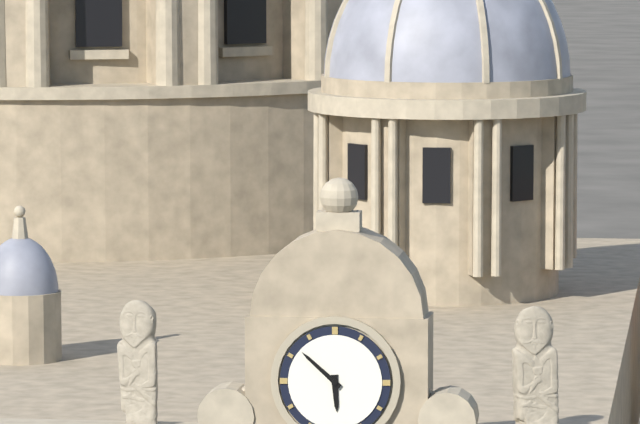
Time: {"hour": 5, "minute": 52}
